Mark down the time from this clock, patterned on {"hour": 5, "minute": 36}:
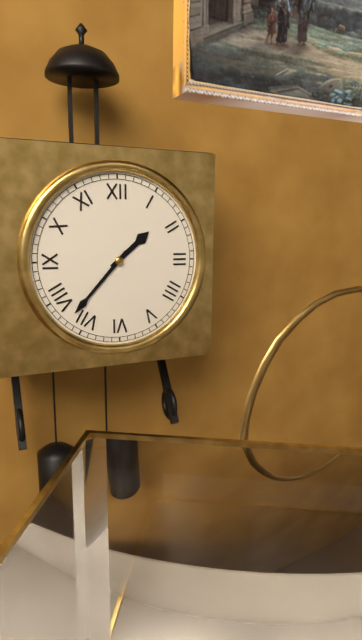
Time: {"hour": 1, "minute": 37}
